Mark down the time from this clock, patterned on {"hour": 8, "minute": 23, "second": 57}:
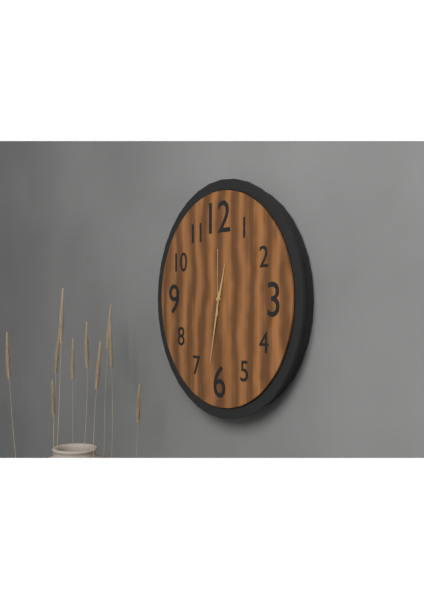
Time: {"hour": 12, "minute": 32, "second": 0}
